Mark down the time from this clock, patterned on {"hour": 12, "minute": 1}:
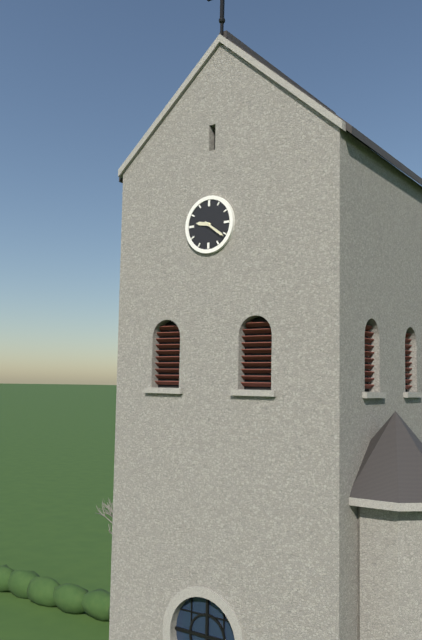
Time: {"hour": 9, "minute": 21}
